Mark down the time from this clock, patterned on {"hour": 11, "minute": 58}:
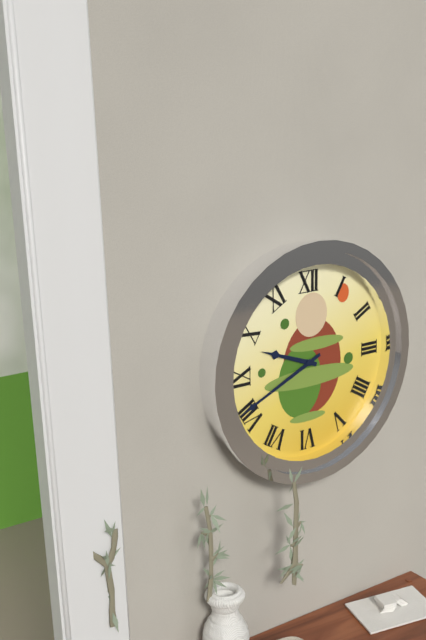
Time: {"hour": 9, "minute": 41}
